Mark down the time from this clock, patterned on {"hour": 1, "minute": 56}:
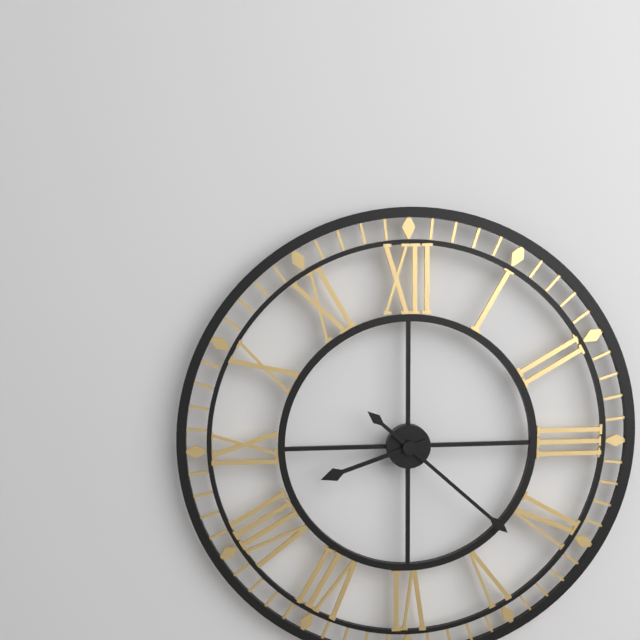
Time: {"hour": 8, "minute": 22}
